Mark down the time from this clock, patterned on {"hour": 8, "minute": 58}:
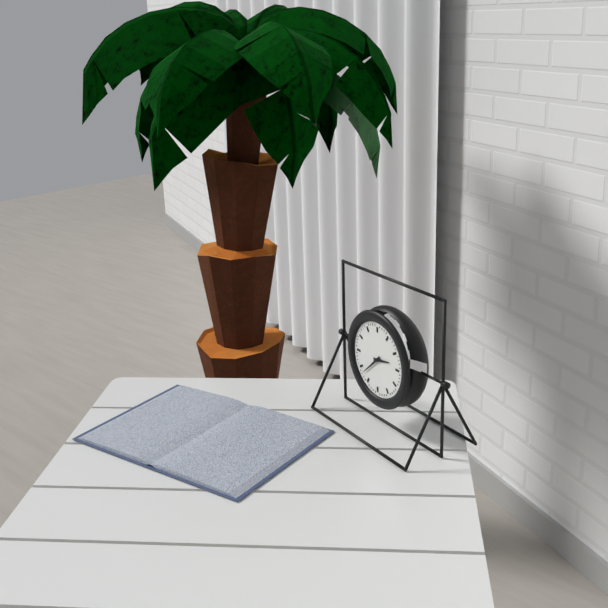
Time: {"hour": 2, "minute": 38}
